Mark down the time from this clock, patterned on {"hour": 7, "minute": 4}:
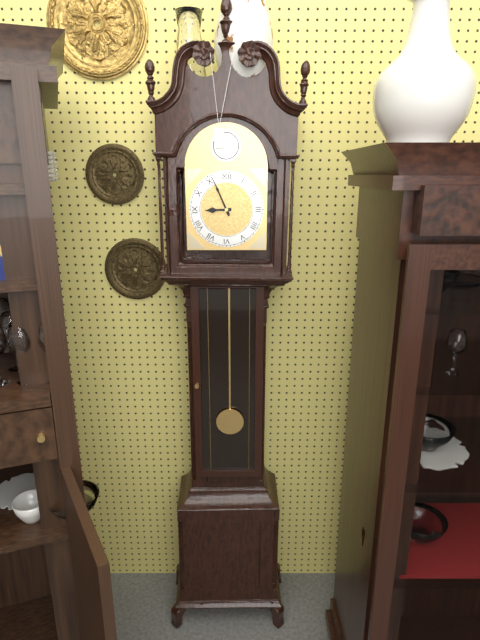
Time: {"hour": 8, "minute": 56}
